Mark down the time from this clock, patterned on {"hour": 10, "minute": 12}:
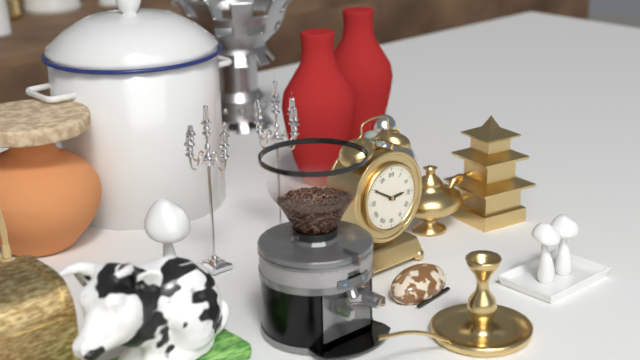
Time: {"hour": 2, "minute": 50}
